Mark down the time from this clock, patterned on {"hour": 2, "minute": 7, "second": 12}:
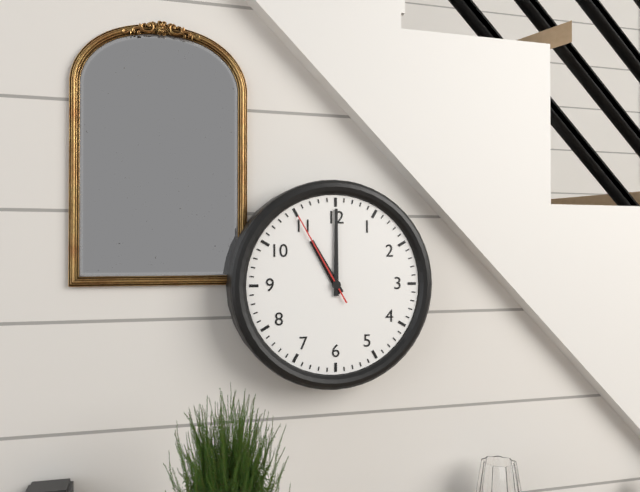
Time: {"hour": 11, "minute": 0, "second": 55}
